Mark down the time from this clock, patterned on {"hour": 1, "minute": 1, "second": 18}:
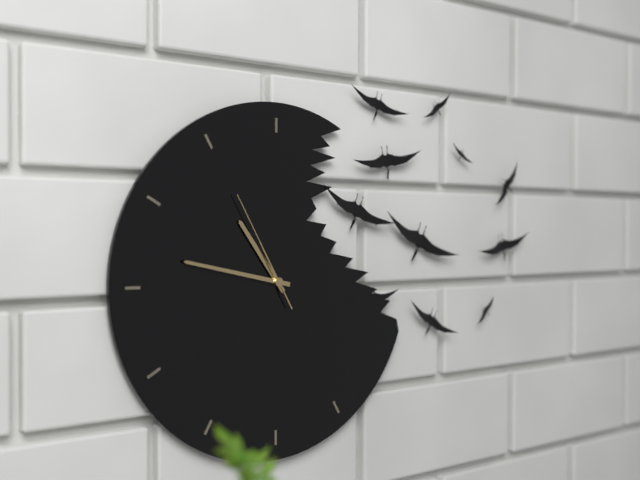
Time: {"hour": 10, "minute": 47, "second": 55}
